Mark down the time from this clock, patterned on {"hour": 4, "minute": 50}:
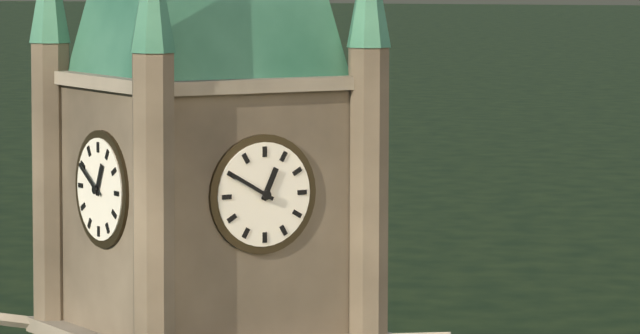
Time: {"hour": 12, "minute": 50}
